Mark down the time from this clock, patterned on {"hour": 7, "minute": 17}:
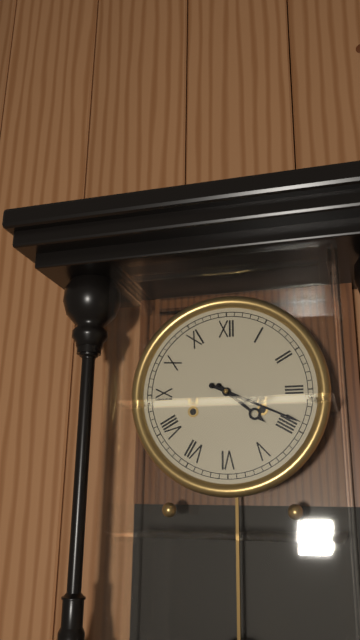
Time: {"hour": 4, "minute": 19}
